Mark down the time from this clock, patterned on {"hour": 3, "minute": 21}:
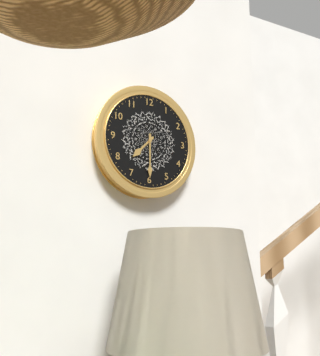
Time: {"hour": 7, "minute": 30}
